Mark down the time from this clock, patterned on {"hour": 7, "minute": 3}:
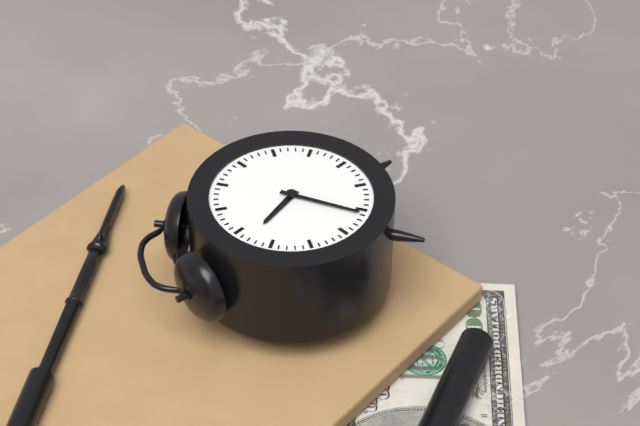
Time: {"hour": 10, "minute": 36}
